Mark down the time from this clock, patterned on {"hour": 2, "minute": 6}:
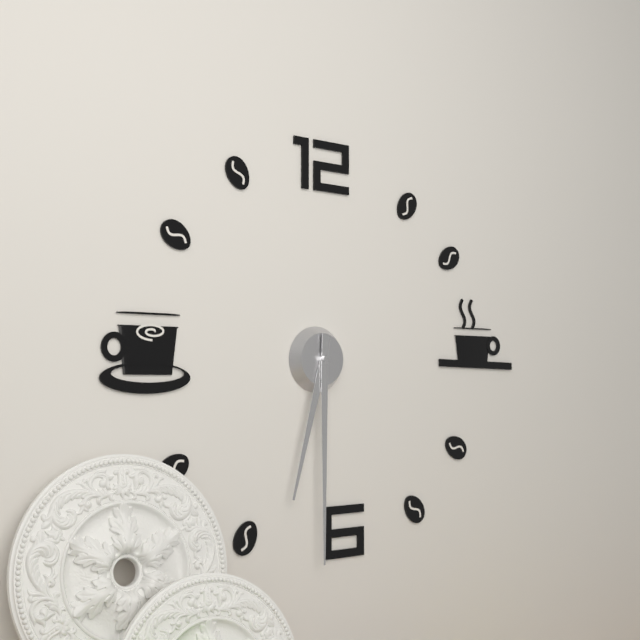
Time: {"hour": 6, "minute": 30}
